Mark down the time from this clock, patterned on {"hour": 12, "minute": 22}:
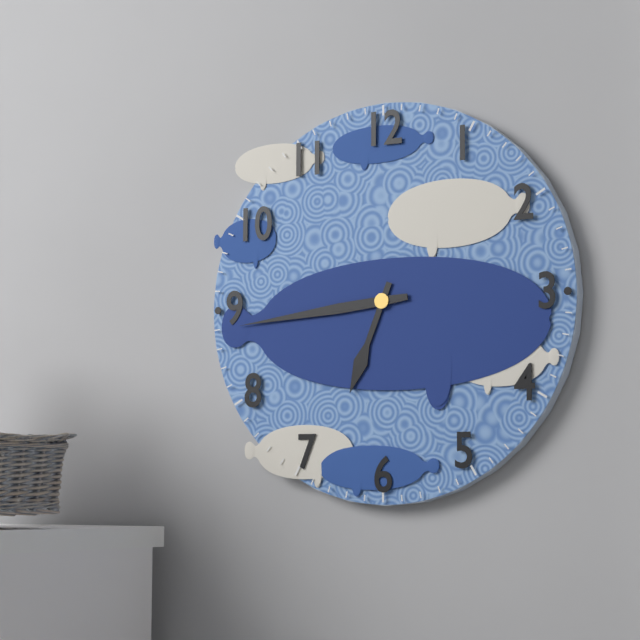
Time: {"hour": 6, "minute": 44}
